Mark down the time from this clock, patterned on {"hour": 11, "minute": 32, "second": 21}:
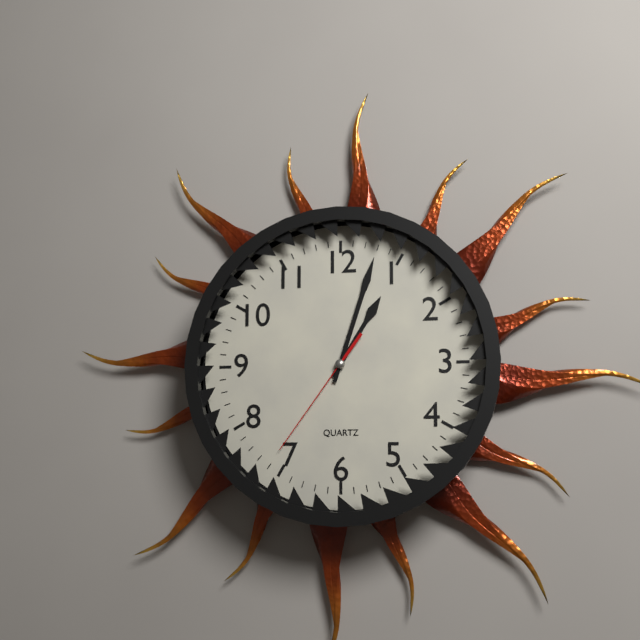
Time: {"hour": 1, "minute": 3, "second": 36}
